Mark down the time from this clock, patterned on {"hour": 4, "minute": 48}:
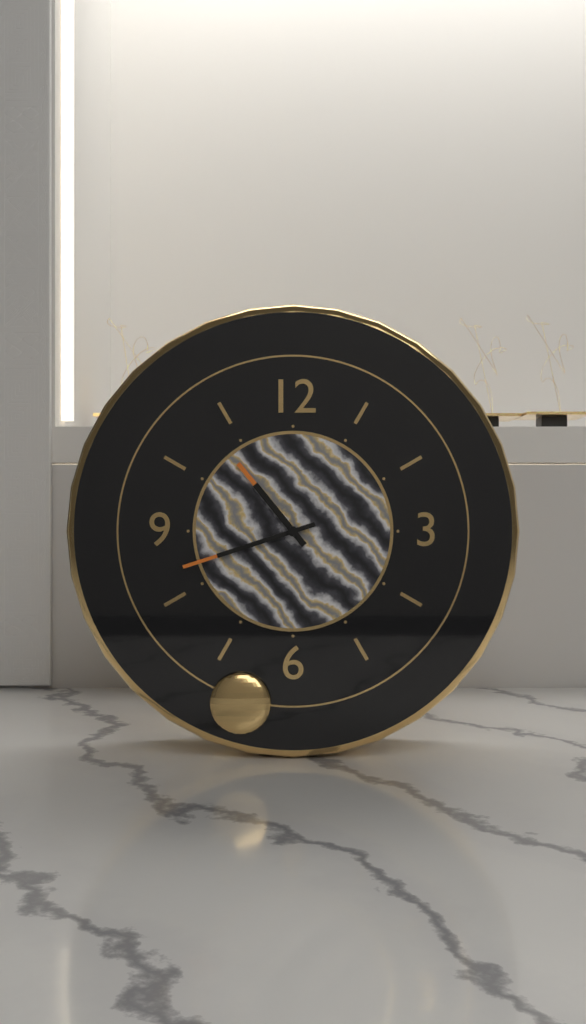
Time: {"hour": 10, "minute": 42}
